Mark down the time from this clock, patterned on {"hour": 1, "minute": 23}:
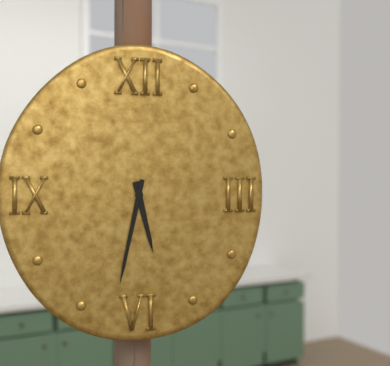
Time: {"hour": 5, "minute": 32}
